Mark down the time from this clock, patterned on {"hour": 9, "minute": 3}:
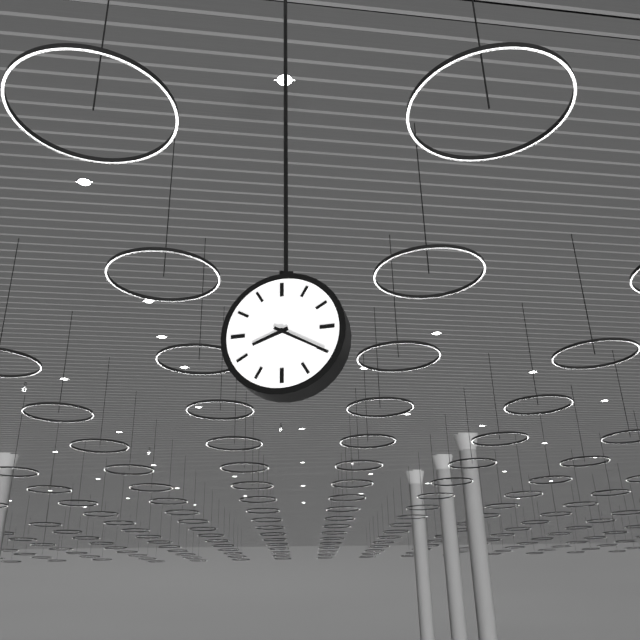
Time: {"hour": 8, "minute": 20}
